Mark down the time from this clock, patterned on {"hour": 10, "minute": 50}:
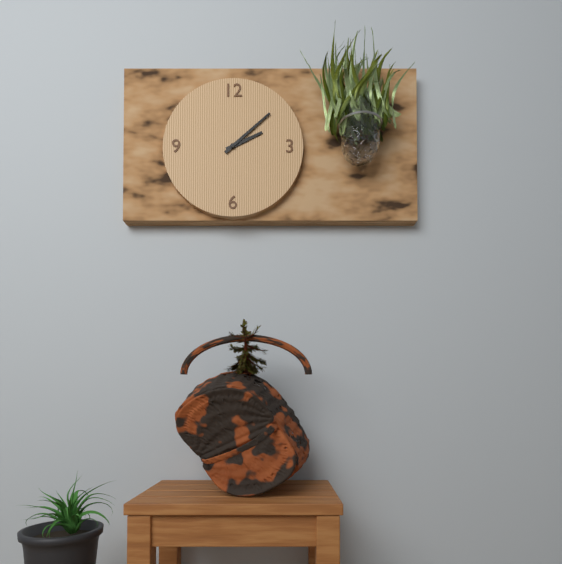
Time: {"hour": 2, "minute": 8}
